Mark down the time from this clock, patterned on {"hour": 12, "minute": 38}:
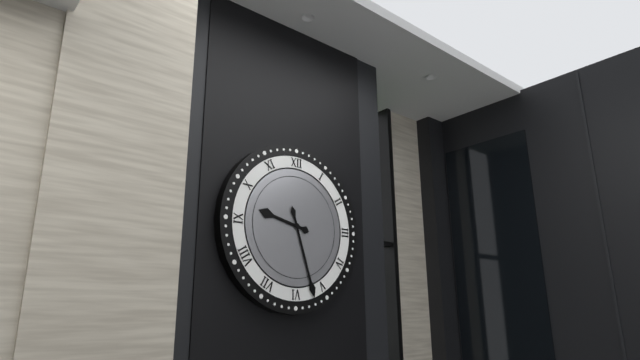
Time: {"hour": 9, "minute": 27}
